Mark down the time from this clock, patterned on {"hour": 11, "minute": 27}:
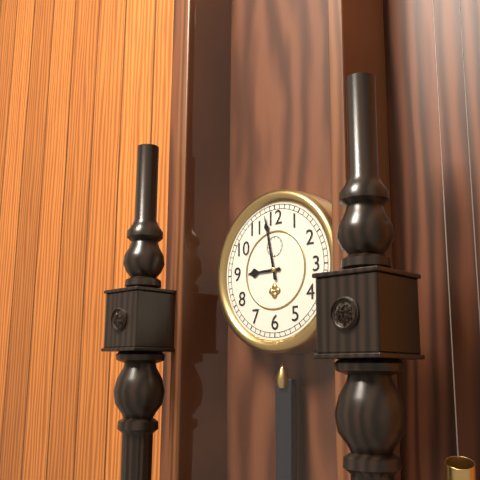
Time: {"hour": 8, "minute": 58}
